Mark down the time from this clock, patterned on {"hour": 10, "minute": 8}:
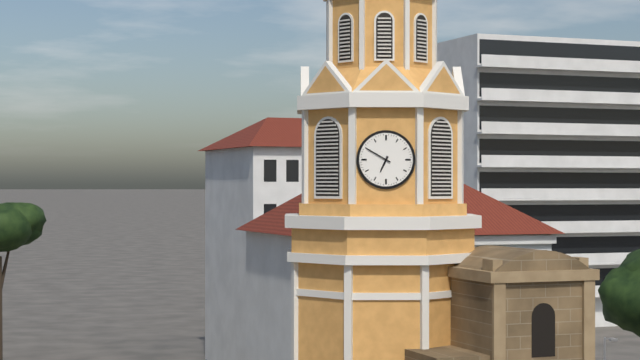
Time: {"hour": 6, "minute": 50}
